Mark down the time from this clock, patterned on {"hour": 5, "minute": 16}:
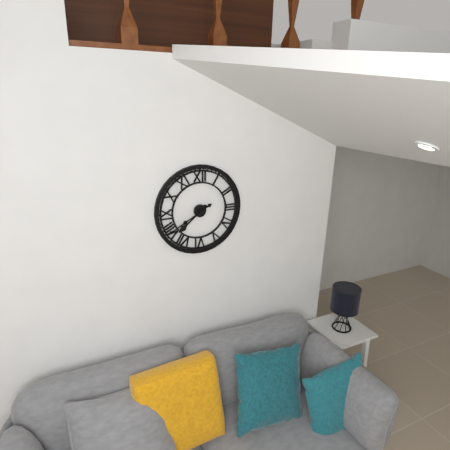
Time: {"hour": 7, "minute": 40}
